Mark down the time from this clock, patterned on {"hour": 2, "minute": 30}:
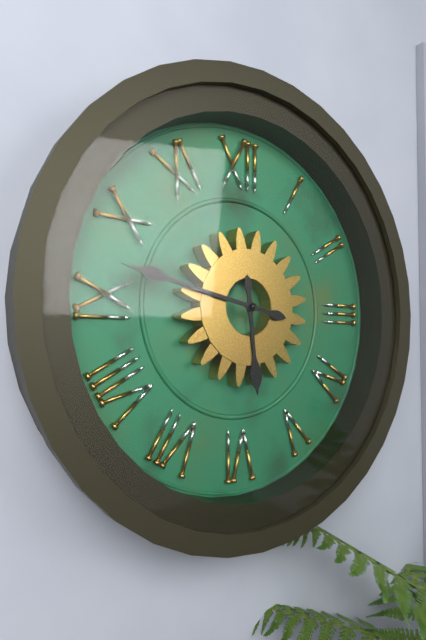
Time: {"hour": 5, "minute": 47}
